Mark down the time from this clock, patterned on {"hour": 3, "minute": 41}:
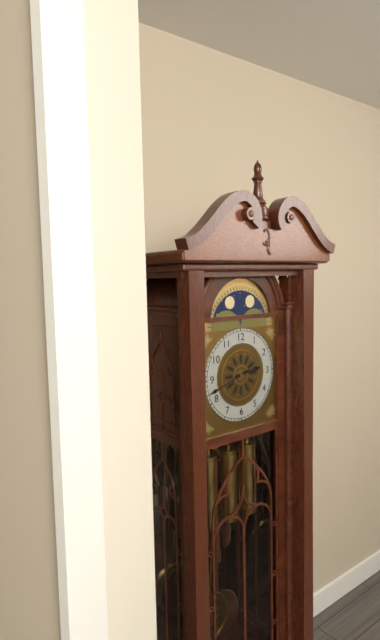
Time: {"hour": 2, "minute": 42}
